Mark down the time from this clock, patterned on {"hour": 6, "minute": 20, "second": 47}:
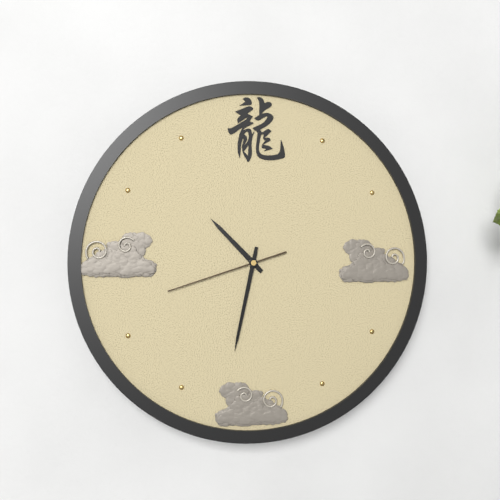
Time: {"hour": 10, "minute": 32, "second": 42}
